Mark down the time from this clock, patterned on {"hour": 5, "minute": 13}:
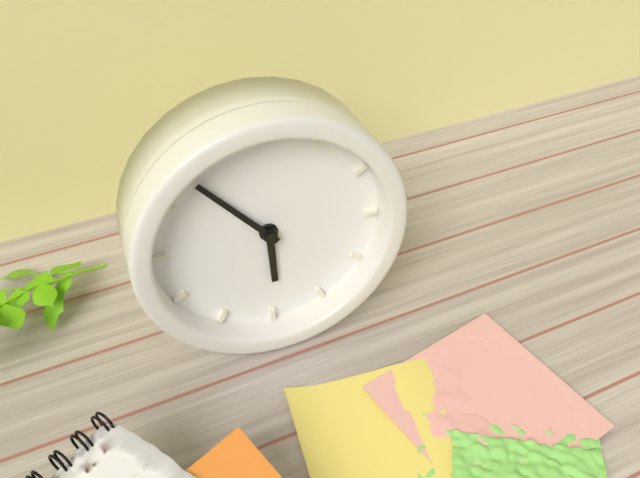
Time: {"hour": 5, "minute": 53}
